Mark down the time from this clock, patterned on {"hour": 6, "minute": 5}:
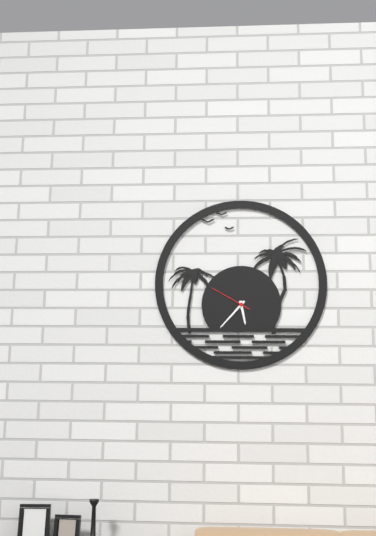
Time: {"hour": 5, "minute": 37}
